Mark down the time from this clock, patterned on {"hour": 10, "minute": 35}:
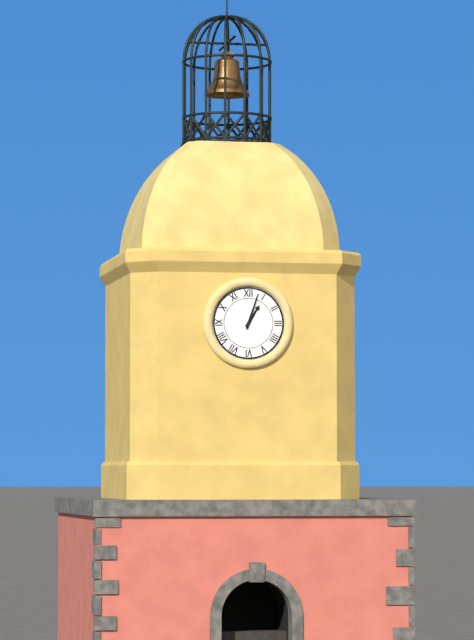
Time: {"hour": 1, "minute": 3}
